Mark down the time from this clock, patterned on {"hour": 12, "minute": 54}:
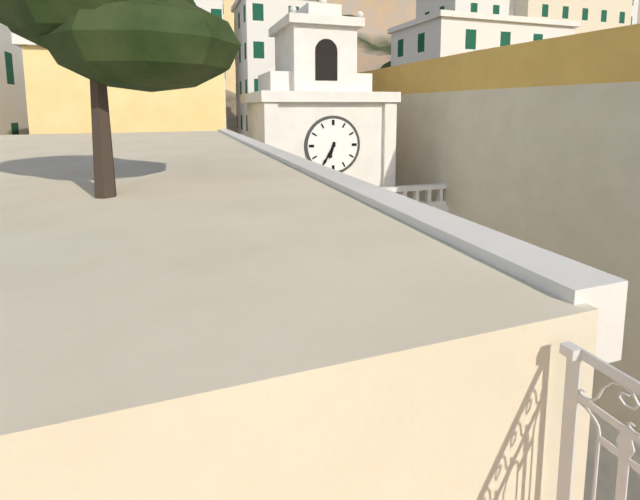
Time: {"hour": 6, "minute": 35}
